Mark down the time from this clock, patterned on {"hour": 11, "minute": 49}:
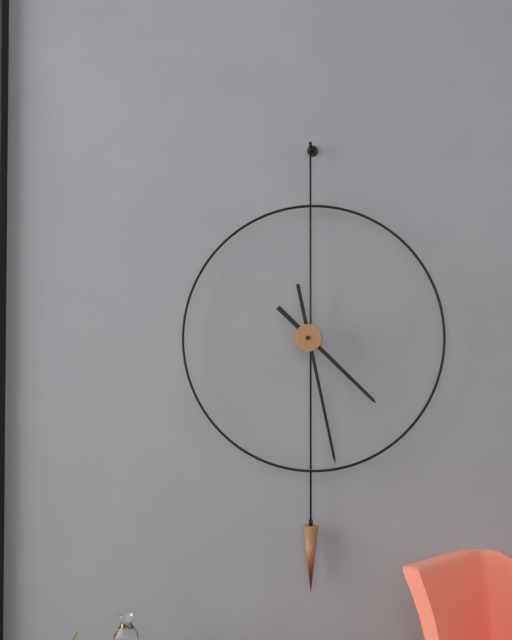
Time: {"hour": 4, "minute": 28}
